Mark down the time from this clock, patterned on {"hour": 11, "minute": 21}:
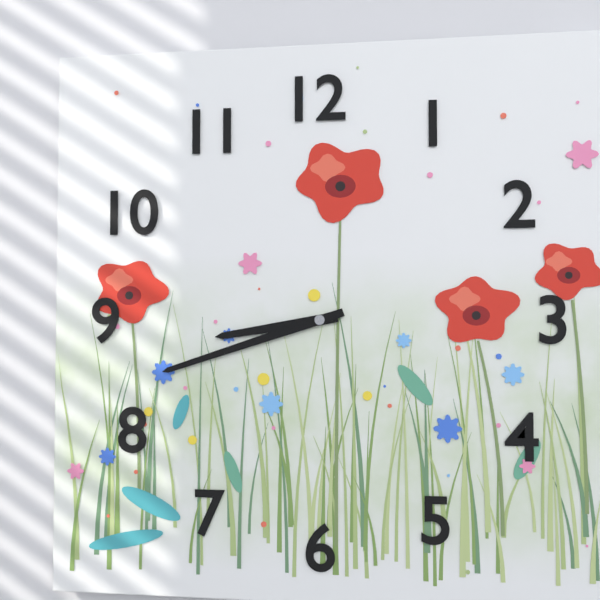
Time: {"hour": 8, "minute": 42}
